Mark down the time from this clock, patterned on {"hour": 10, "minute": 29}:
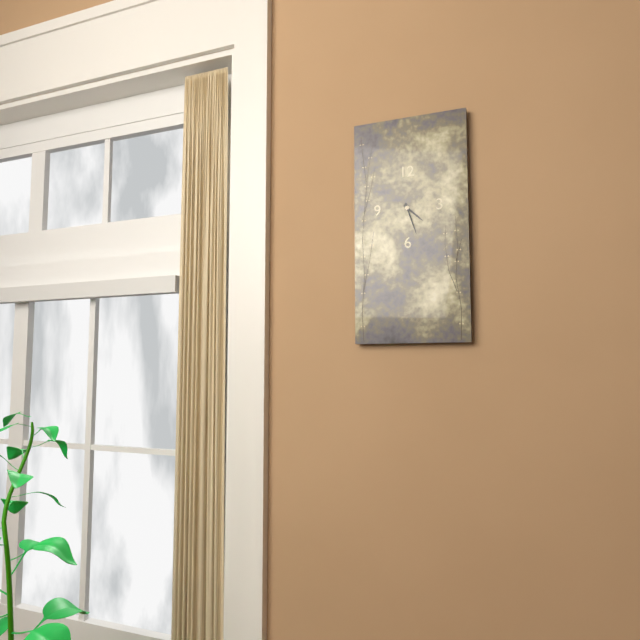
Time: {"hour": 4, "minute": 27}
